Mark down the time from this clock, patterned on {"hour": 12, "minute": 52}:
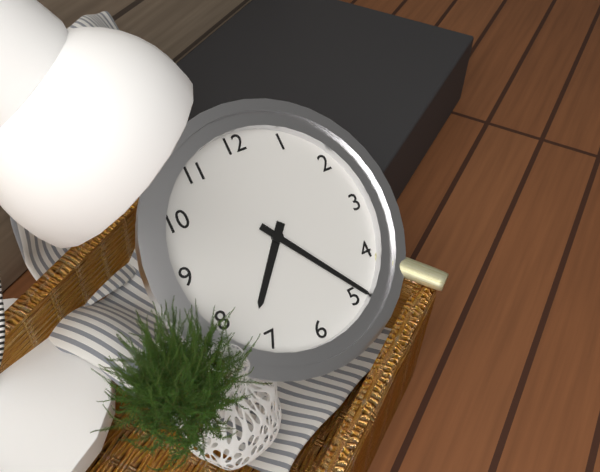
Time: {"hour": 7, "minute": 24}
